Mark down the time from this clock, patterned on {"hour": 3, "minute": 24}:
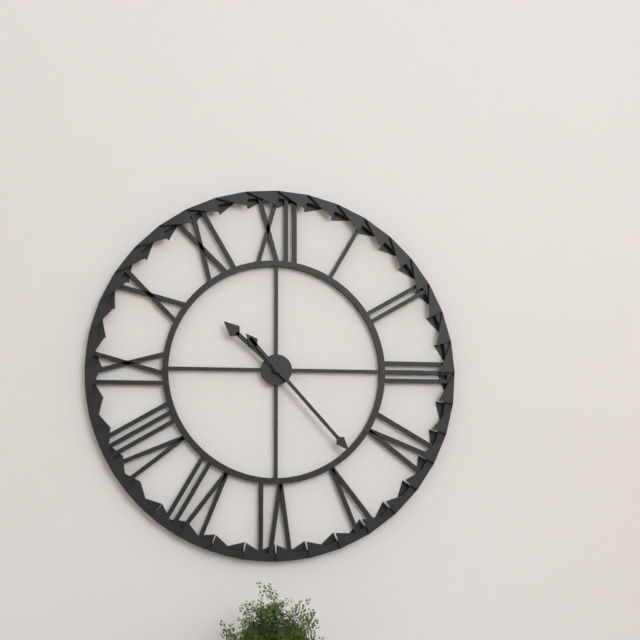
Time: {"hour": 10, "minute": 23}
